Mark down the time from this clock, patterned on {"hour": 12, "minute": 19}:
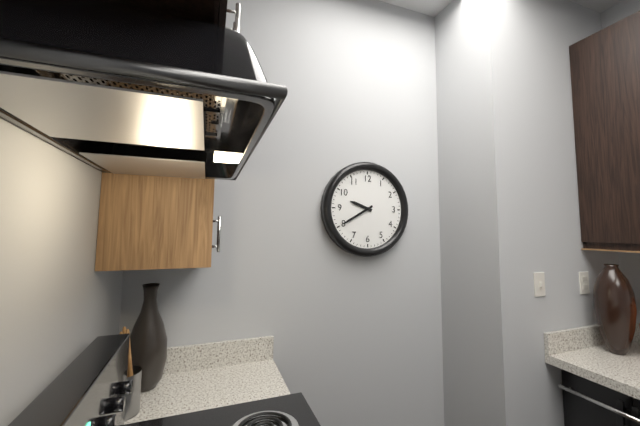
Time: {"hour": 9, "minute": 40}
